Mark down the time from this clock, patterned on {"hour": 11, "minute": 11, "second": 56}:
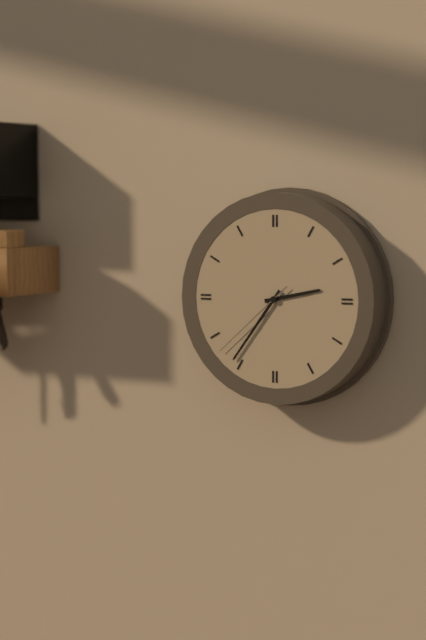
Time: {"hour": 2, "minute": 36, "second": 38}
